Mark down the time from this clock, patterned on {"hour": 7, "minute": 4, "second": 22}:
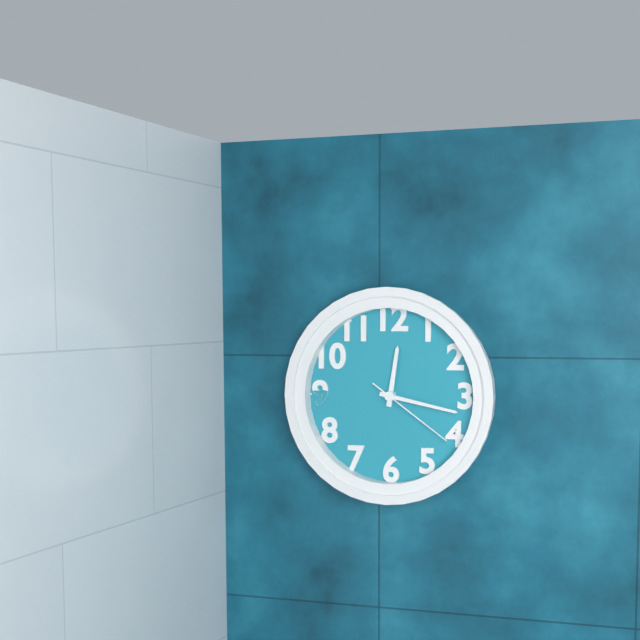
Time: {"hour": 12, "minute": 17, "second": 21}
